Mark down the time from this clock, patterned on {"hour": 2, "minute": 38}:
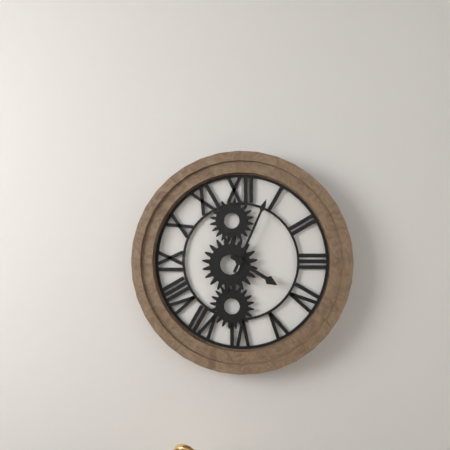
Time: {"hour": 4, "minute": 4}
